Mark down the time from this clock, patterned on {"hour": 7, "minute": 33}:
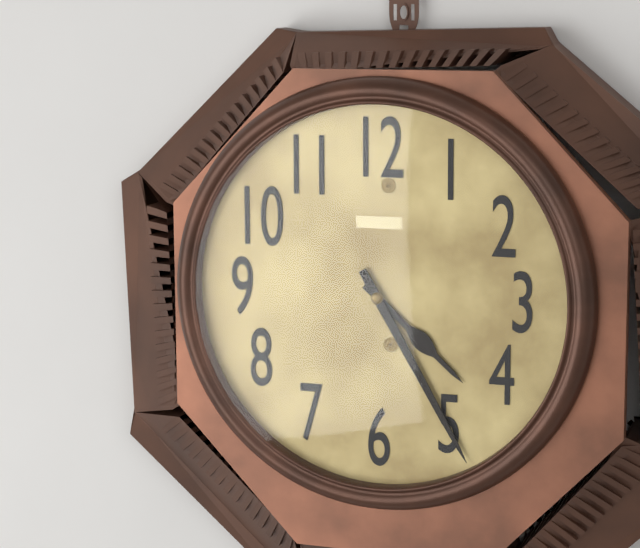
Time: {"hour": 4, "minute": 25}
